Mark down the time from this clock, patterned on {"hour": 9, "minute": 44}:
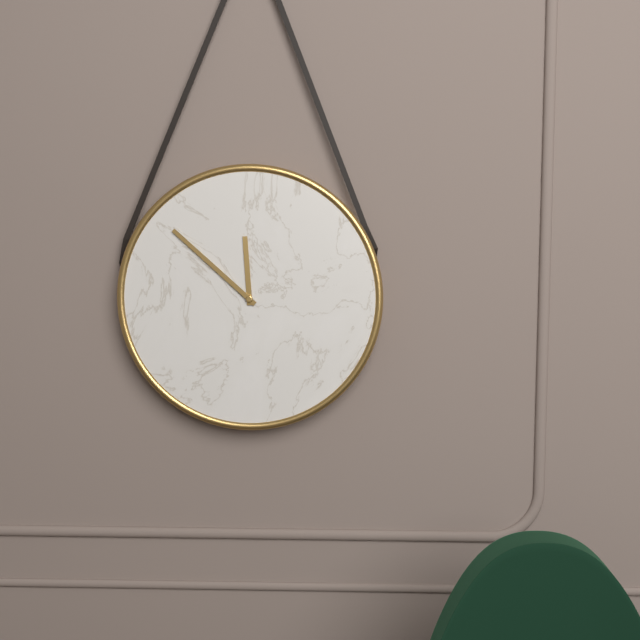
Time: {"hour": 11, "minute": 52}
